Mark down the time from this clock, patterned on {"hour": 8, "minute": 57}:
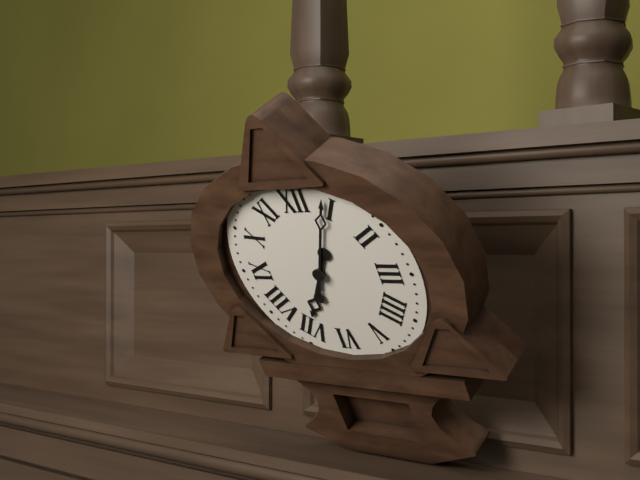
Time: {"hour": 7, "minute": 4}
